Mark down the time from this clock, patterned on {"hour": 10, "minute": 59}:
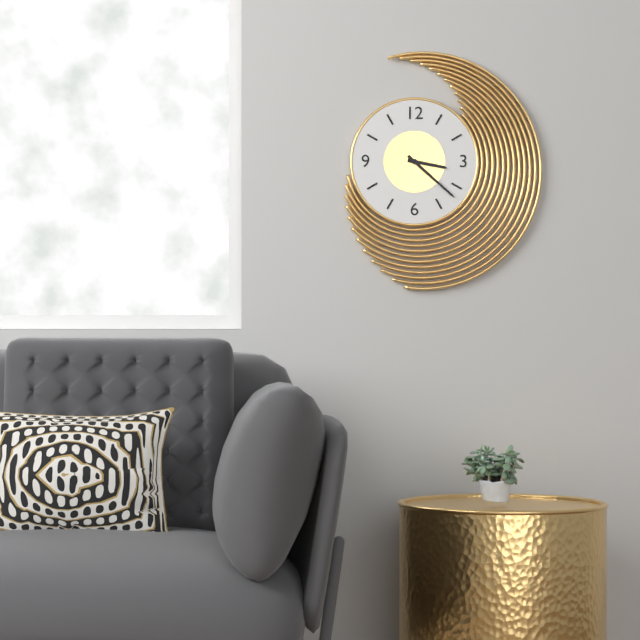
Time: {"hour": 3, "minute": 22}
